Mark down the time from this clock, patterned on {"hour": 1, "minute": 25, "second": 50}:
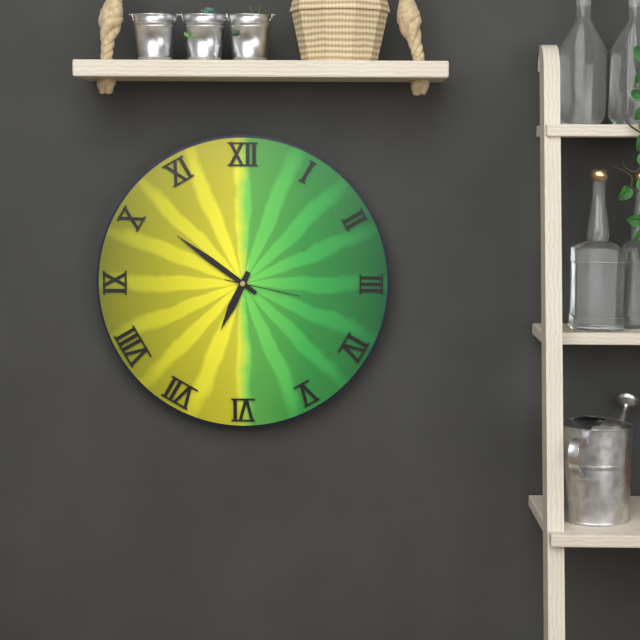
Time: {"hour": 6, "minute": 51, "second": 17}
